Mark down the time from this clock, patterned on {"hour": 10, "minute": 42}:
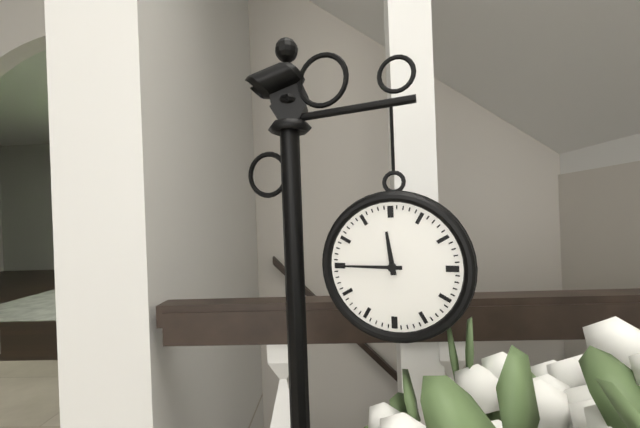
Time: {"hour": 11, "minute": 45}
